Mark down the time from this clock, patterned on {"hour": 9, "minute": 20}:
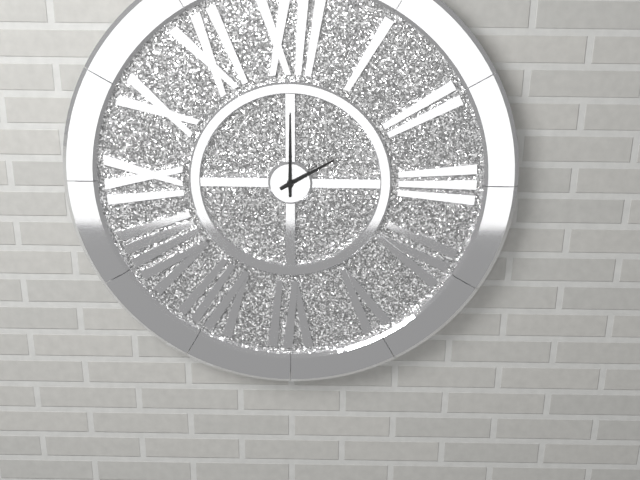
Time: {"hour": 2, "minute": 0}
